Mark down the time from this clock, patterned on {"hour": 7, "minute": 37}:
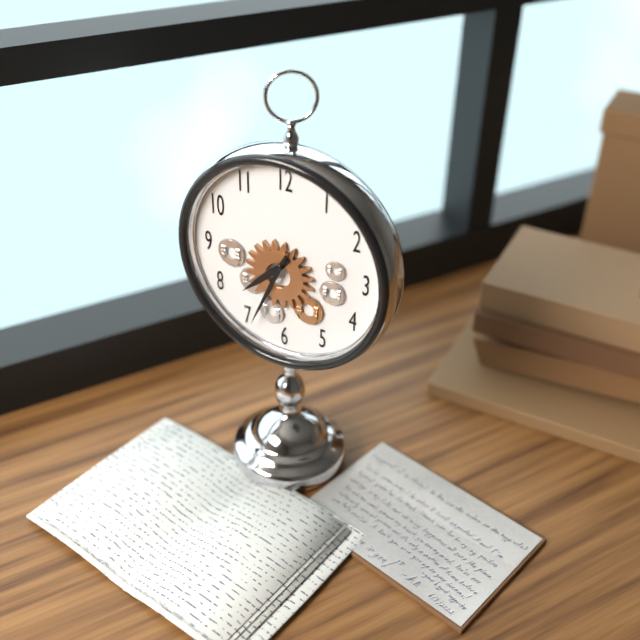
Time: {"hour": 7, "minute": 34}
